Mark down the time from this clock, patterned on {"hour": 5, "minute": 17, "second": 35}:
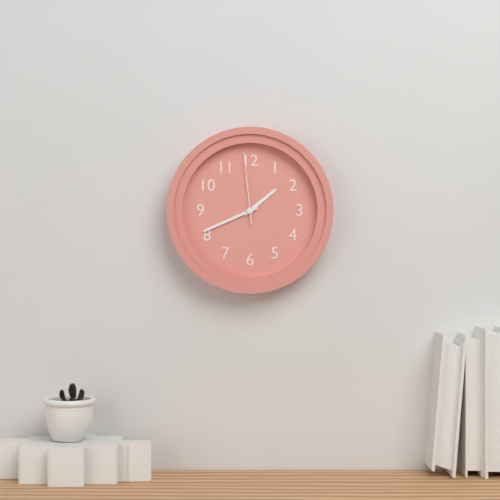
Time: {"hour": 1, "minute": 41, "second": 59}
